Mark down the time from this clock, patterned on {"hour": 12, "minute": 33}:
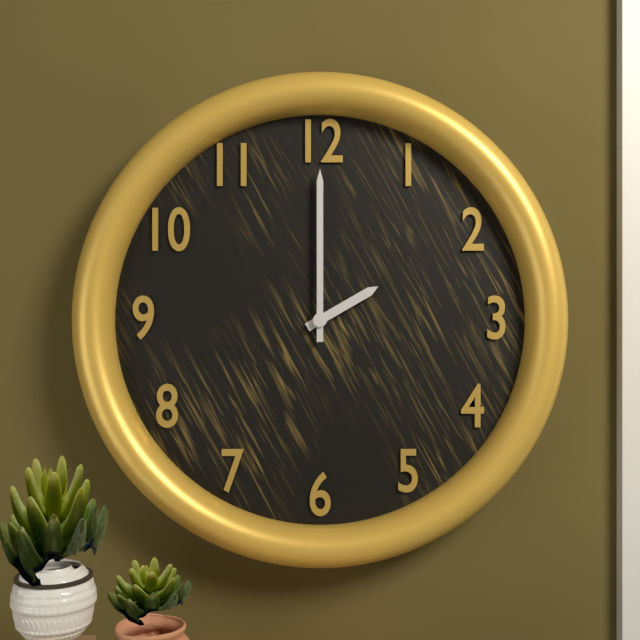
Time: {"hour": 2, "minute": 0}
